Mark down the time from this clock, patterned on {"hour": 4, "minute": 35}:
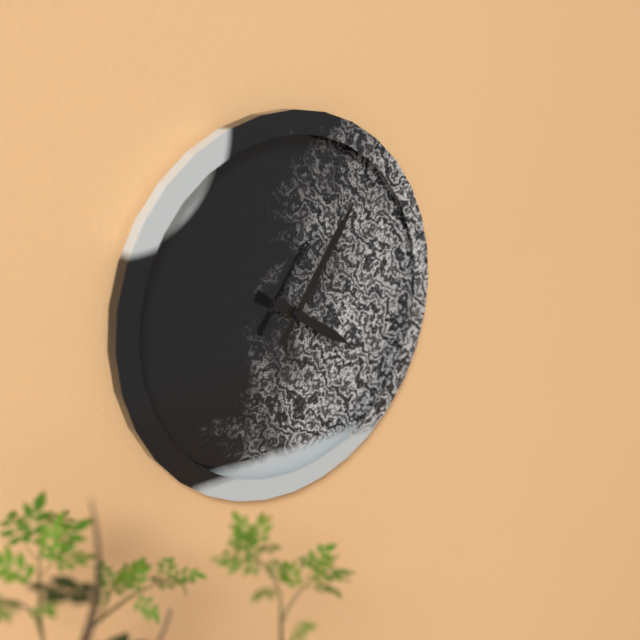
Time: {"hour": 4, "minute": 6}
